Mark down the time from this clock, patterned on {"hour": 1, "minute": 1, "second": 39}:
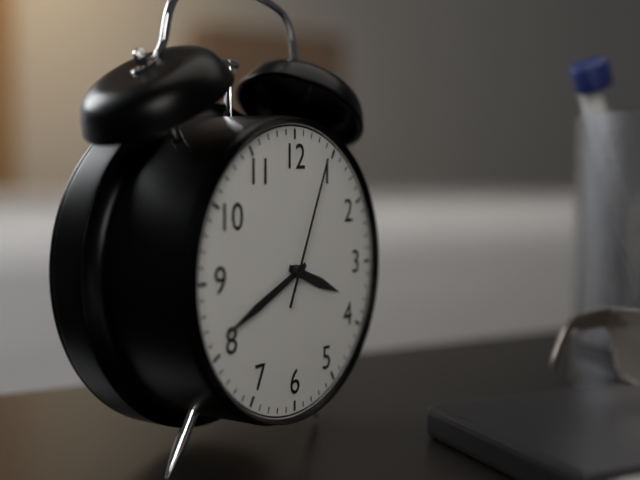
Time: {"hour": 3, "minute": 41, "second": 4}
